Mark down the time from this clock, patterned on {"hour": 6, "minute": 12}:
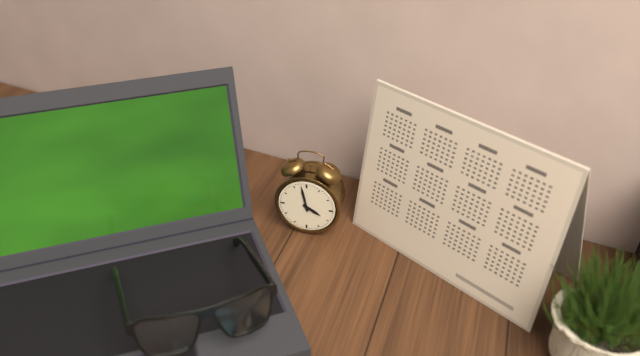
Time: {"hour": 3, "minute": 58}
